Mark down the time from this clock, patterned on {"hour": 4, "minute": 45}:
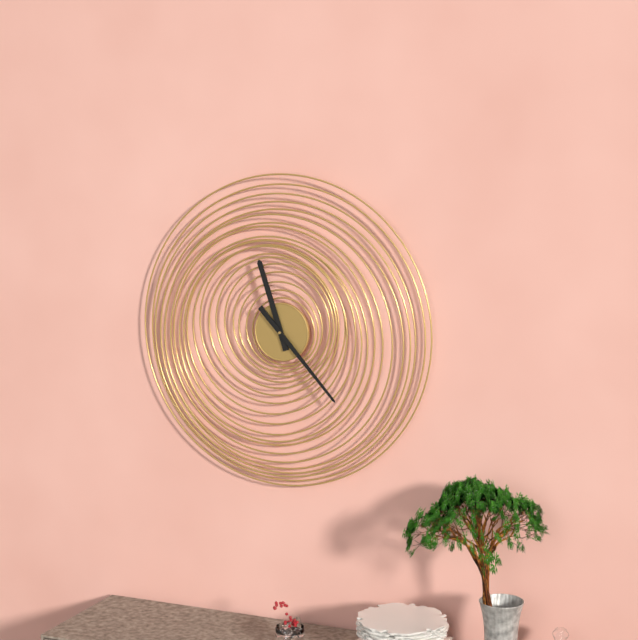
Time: {"hour": 11, "minute": 23}
